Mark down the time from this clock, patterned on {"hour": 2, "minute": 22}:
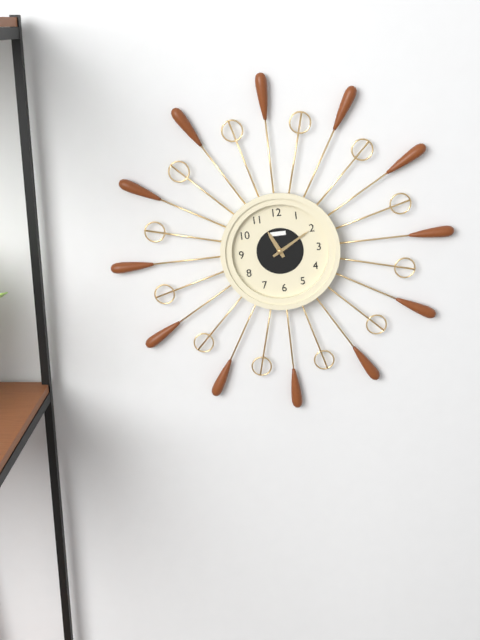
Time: {"hour": 11, "minute": 10}
